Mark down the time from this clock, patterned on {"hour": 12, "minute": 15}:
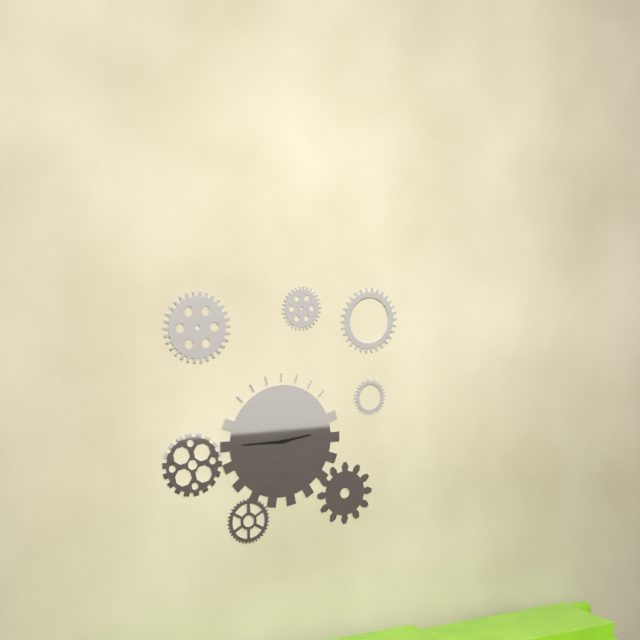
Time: {"hour": 2, "minute": 45}
